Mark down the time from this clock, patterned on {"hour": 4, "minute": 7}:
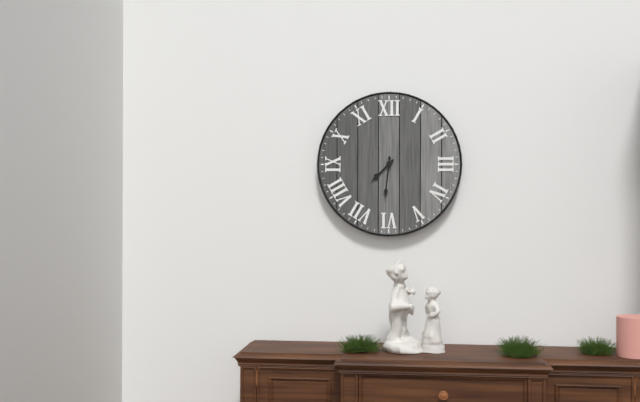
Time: {"hour": 7, "minute": 31}
